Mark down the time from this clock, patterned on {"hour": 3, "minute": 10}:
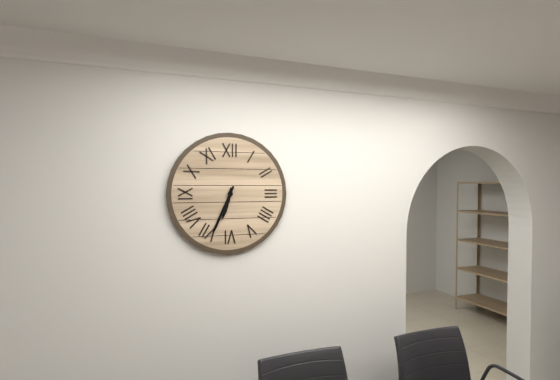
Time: {"hour": 6, "minute": 34}
